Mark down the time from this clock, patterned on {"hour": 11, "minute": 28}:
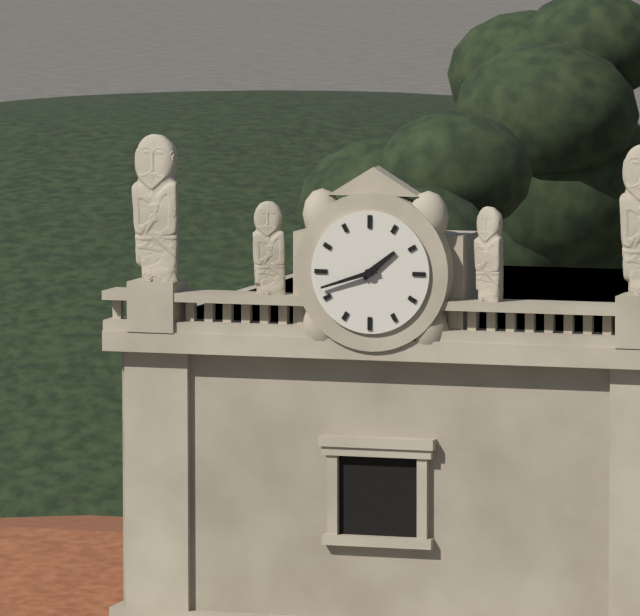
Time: {"hour": 1, "minute": 42}
